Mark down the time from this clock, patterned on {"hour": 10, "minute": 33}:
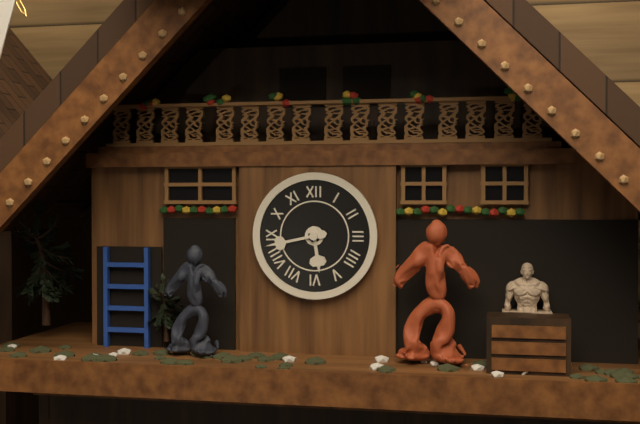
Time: {"hour": 5, "minute": 43}
